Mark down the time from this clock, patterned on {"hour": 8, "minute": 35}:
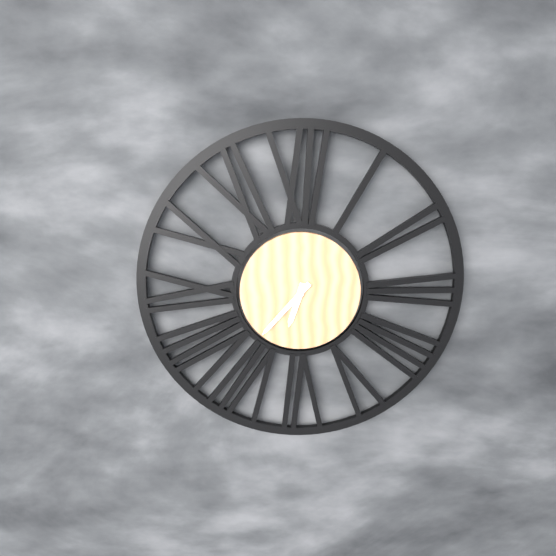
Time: {"hour": 6, "minute": 37}
